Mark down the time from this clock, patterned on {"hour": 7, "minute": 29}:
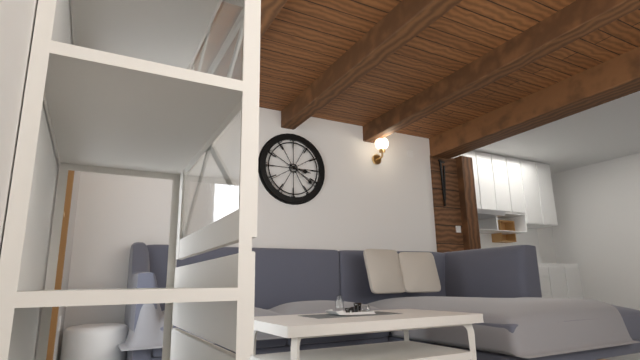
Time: {"hour": 3, "minute": 21}
